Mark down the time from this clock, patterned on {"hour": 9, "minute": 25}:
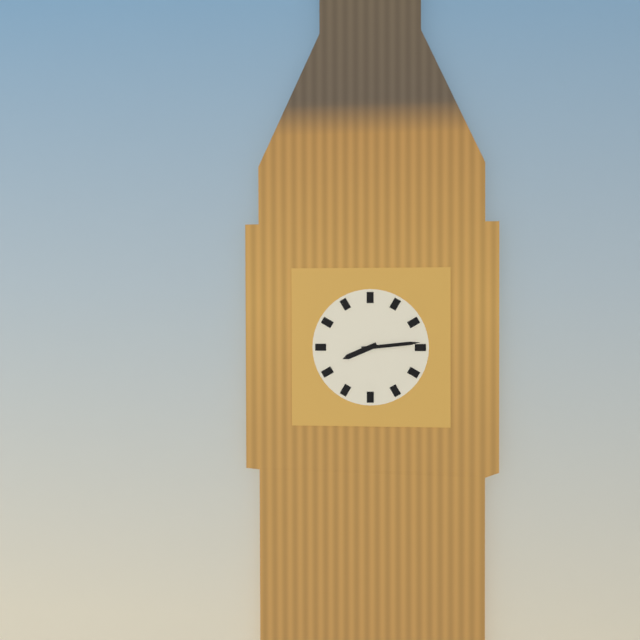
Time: {"hour": 8, "minute": 14}
